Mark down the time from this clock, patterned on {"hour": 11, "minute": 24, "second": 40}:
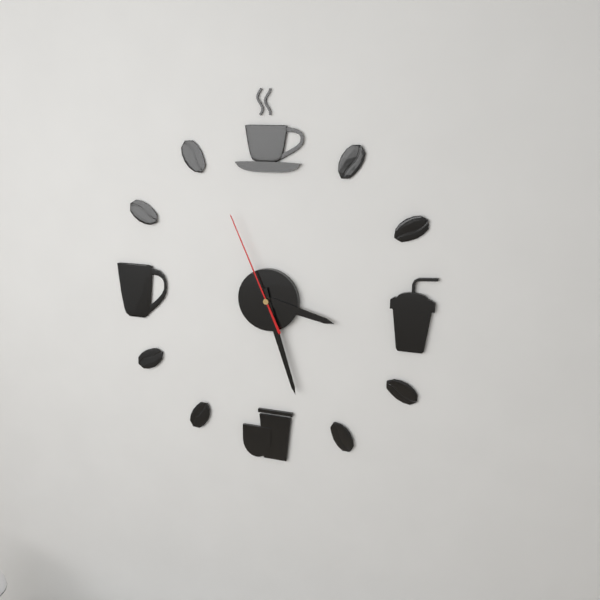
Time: {"hour": 3, "minute": 27, "second": 56}
